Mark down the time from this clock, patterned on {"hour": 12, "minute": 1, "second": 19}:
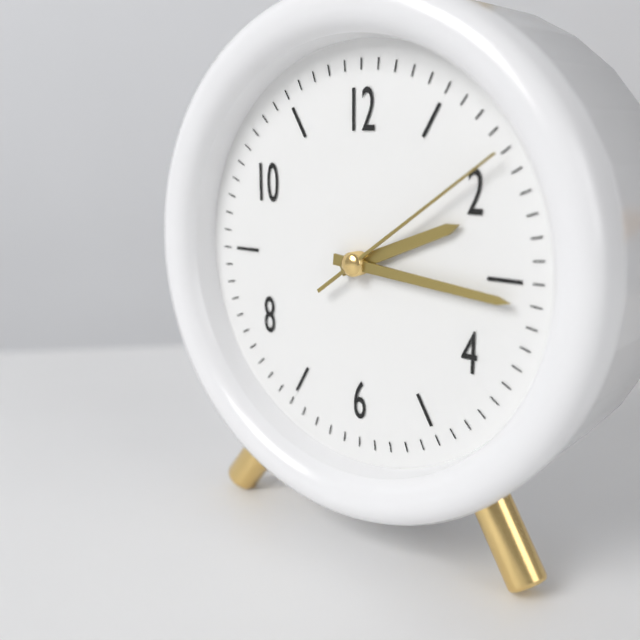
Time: {"hour": 2, "minute": 16, "second": 9}
